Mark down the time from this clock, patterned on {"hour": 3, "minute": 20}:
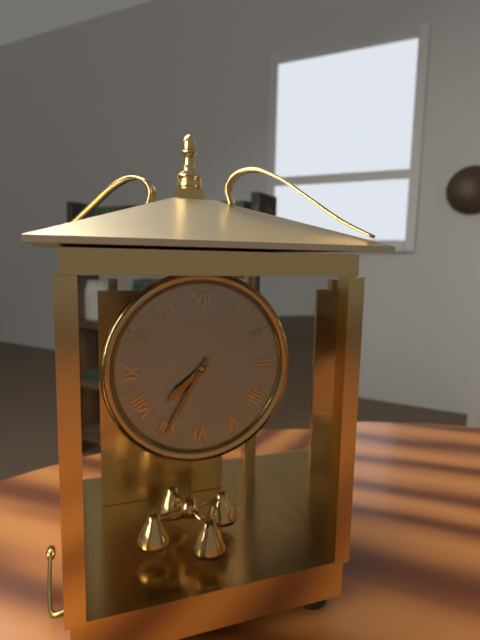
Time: {"hour": 7, "minute": 35}
